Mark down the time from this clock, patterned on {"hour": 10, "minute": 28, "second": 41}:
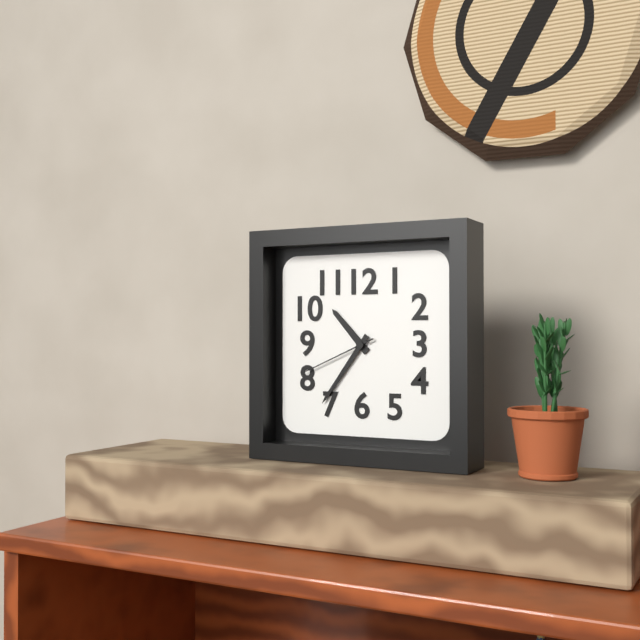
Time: {"hour": 10, "minute": 36, "second": 41}
